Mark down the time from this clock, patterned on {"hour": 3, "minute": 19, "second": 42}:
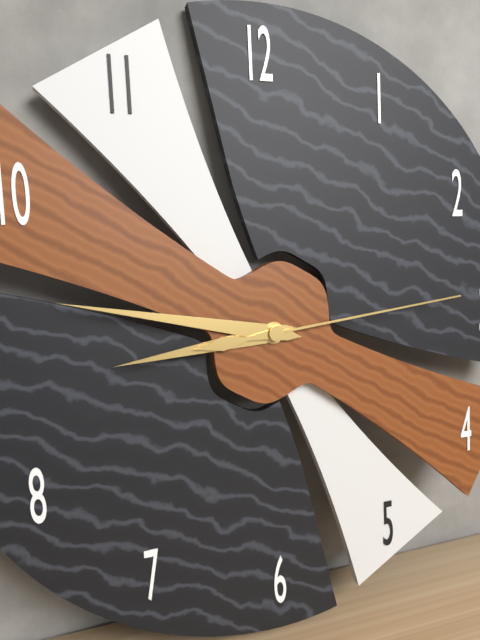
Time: {"hour": 8, "minute": 47, "second": 14}
